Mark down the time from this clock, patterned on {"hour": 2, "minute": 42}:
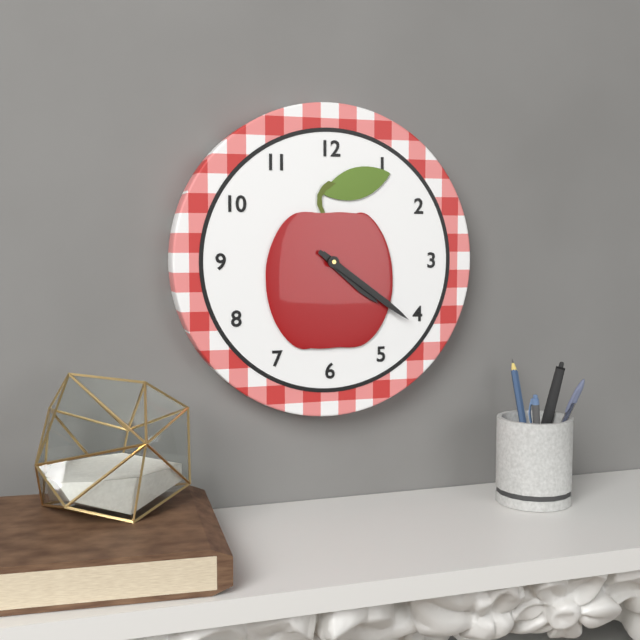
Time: {"hour": 4, "minute": 21}
